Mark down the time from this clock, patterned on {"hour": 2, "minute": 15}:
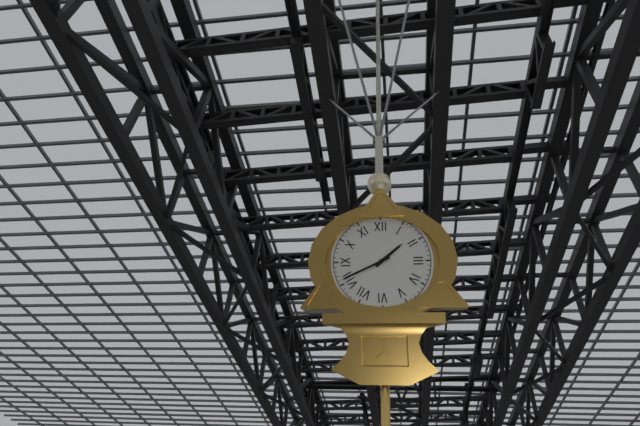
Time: {"hour": 1, "minute": 41}
